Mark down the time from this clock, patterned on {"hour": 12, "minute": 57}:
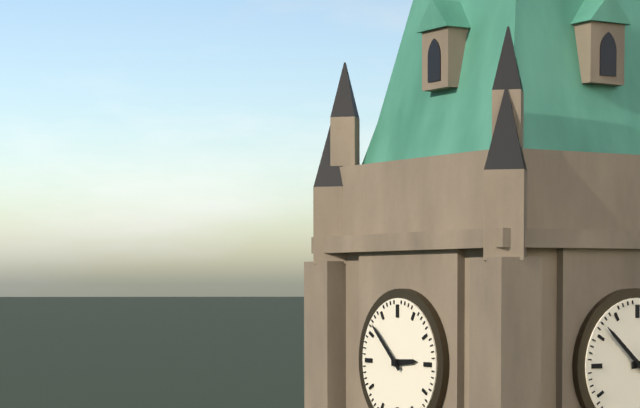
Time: {"hour": 2, "minute": 52}
